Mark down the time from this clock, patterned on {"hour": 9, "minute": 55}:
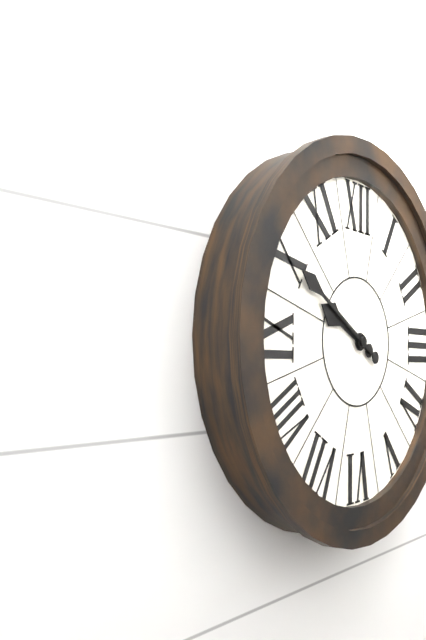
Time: {"hour": 9, "minute": 50}
